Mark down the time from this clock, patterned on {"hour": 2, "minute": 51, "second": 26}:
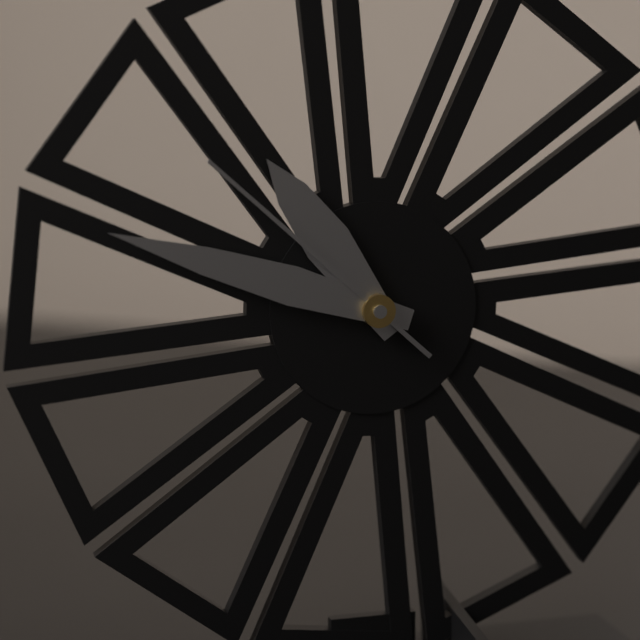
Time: {"hour": 10, "minute": 48, "second": 52}
